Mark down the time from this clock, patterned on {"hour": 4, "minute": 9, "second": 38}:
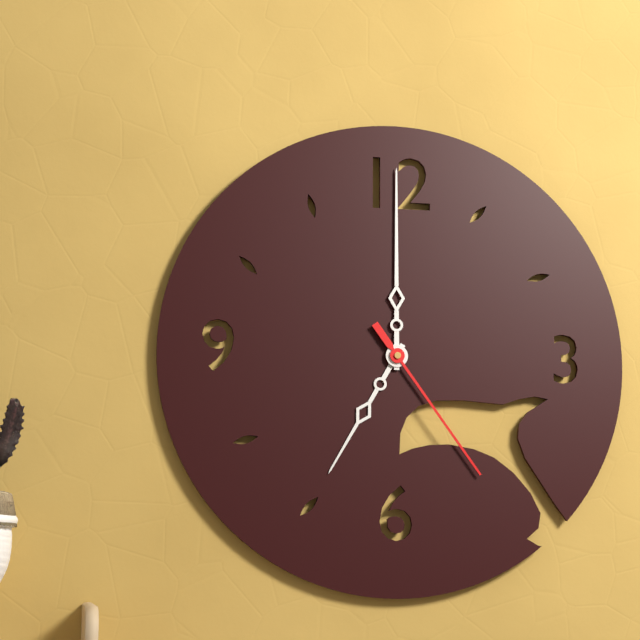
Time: {"hour": 7, "minute": 0, "second": 24}
